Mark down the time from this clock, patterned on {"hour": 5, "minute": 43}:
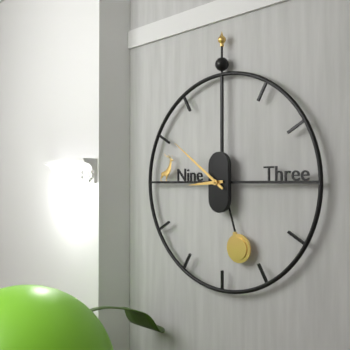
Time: {"hour": 8, "minute": 51}
